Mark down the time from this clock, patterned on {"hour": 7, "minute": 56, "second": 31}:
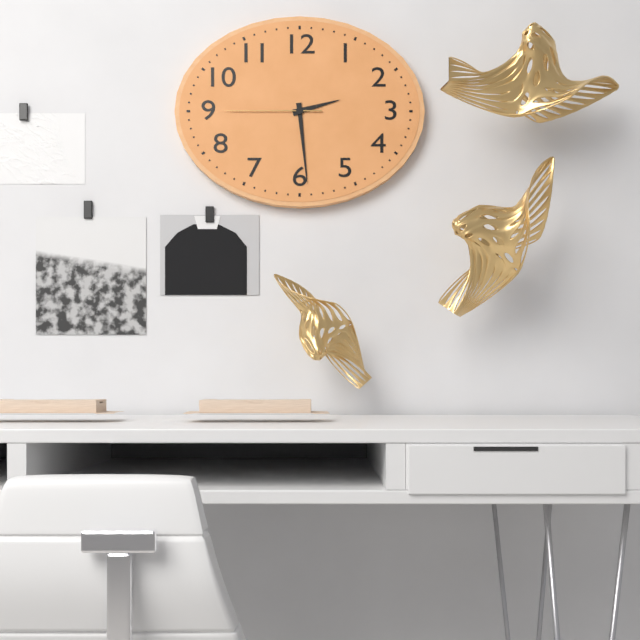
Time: {"hour": 2, "minute": 29, "second": 45}
